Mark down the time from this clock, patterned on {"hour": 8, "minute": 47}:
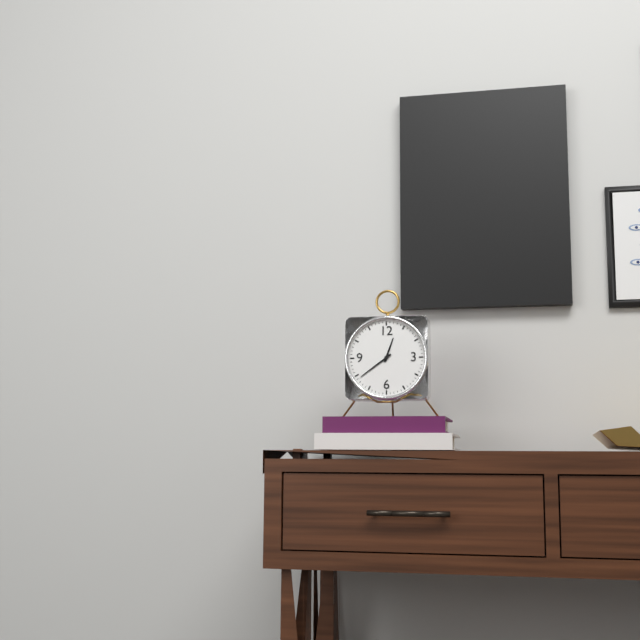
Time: {"hour": 12, "minute": 39}
